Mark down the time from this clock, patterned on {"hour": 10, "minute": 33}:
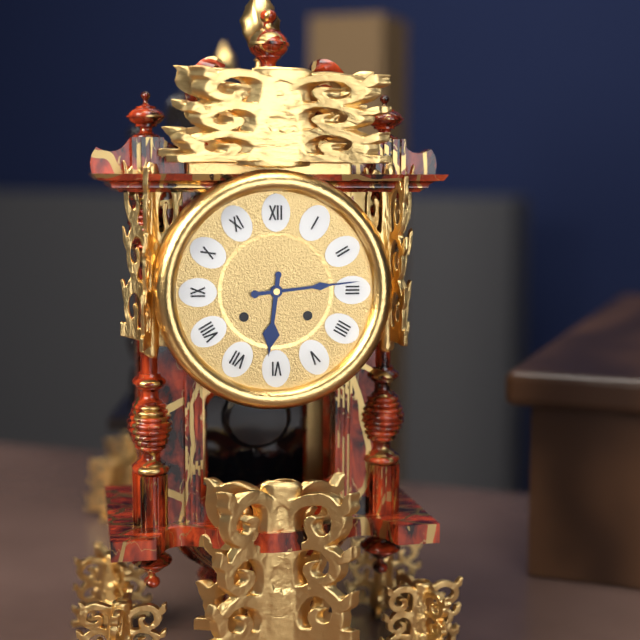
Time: {"hour": 6, "minute": 14}
